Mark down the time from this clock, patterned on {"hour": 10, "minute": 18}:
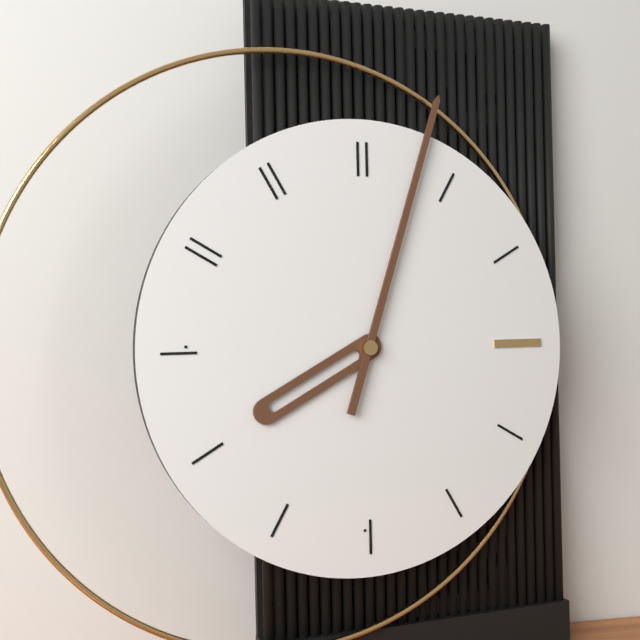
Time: {"hour": 8, "minute": 3}
